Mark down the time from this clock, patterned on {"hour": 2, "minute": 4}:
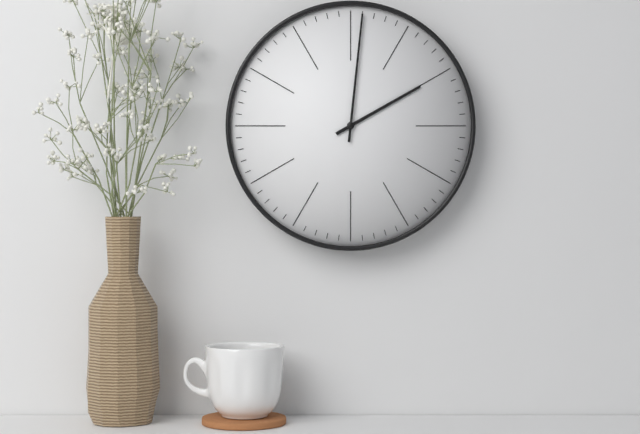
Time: {"hour": 2, "minute": 1}
